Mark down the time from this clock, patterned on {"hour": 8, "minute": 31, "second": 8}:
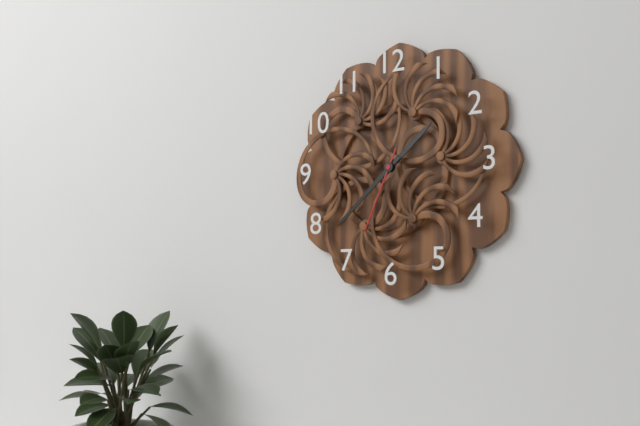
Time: {"hour": 1, "minute": 38, "second": 34}
